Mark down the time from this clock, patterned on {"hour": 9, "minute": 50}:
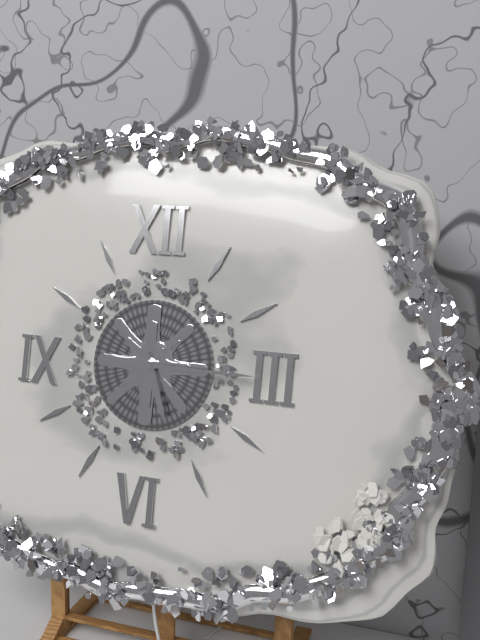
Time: {"hour": 5, "minute": 15}
